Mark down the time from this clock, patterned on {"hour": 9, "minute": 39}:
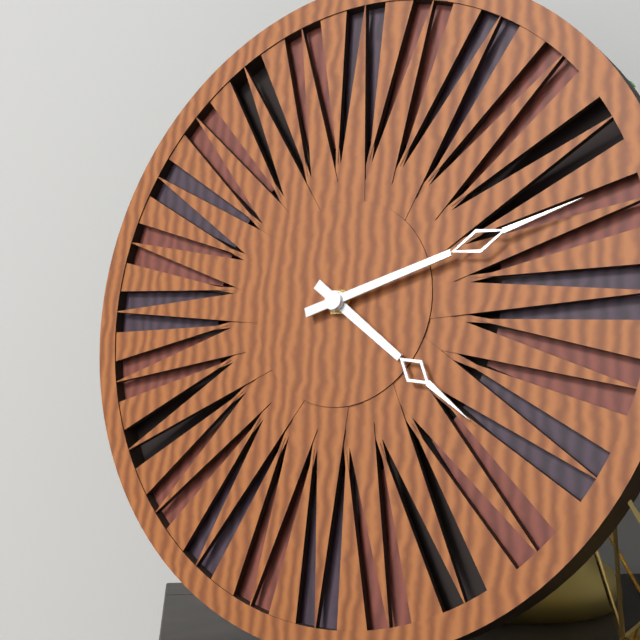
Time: {"hour": 4, "minute": 12}
